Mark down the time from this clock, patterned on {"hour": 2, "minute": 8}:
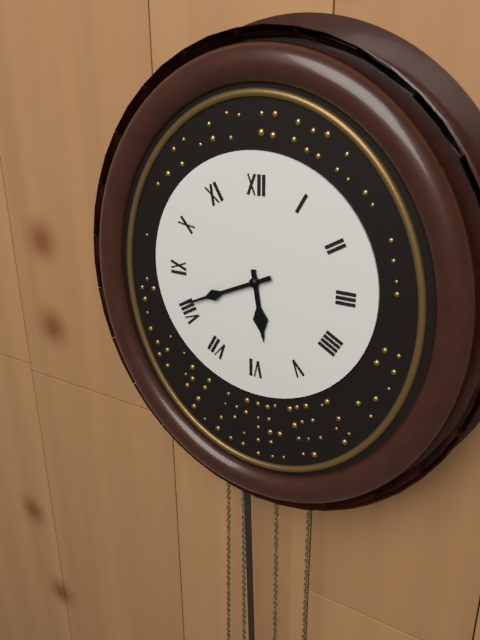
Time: {"hour": 5, "minute": 41}
